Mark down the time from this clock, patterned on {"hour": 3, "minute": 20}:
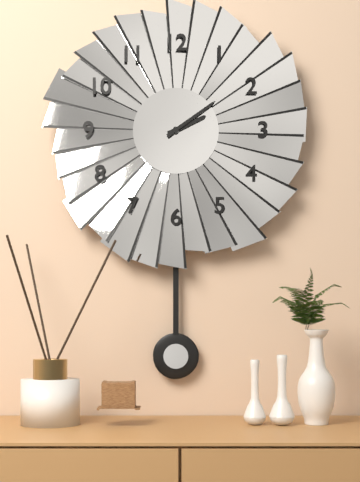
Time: {"hour": 2, "minute": 9}
